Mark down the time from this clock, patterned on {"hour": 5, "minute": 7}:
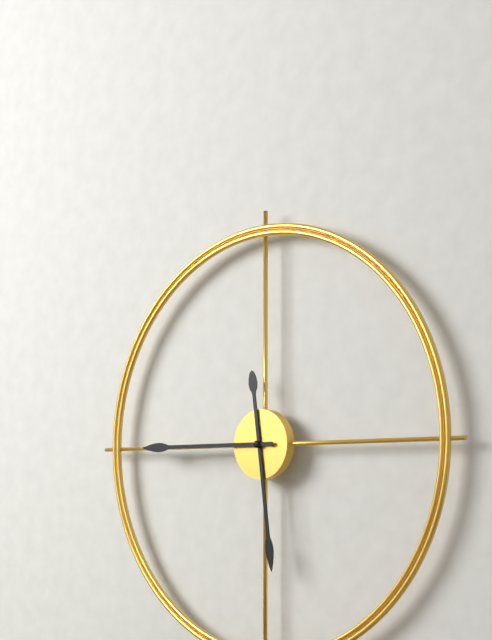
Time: {"hour": 5, "minute": 45}
